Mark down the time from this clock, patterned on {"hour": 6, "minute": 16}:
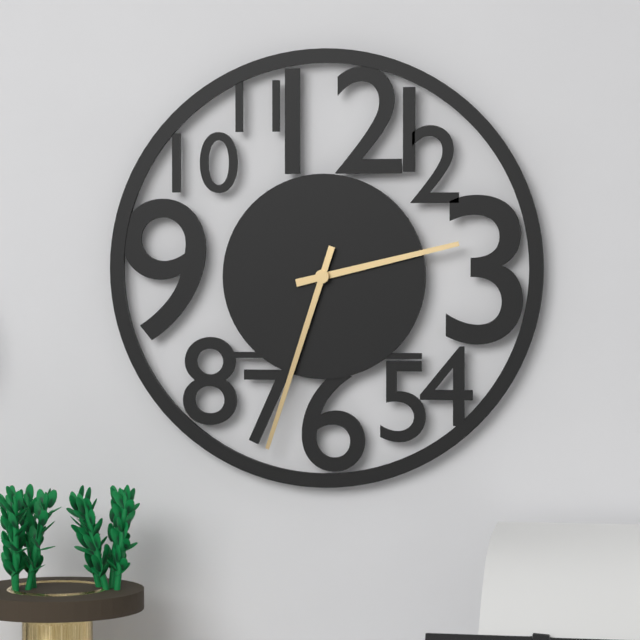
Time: {"hour": 2, "minute": 33}
